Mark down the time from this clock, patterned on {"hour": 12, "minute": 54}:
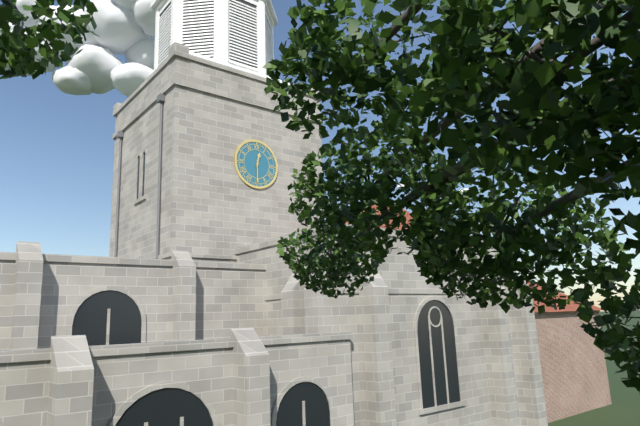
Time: {"hour": 12, "minute": 30}
